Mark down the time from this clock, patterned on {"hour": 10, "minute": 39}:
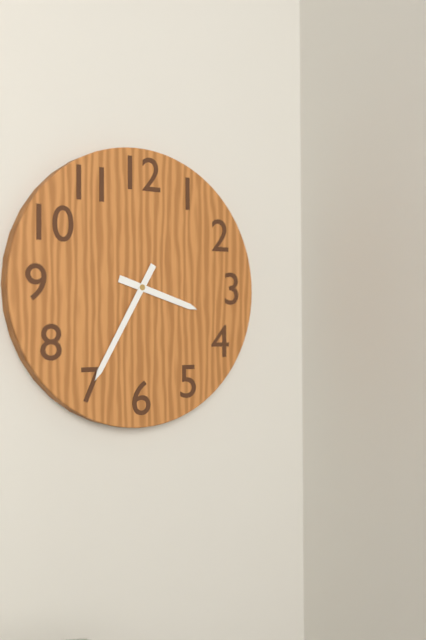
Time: {"hour": 3, "minute": 35}
